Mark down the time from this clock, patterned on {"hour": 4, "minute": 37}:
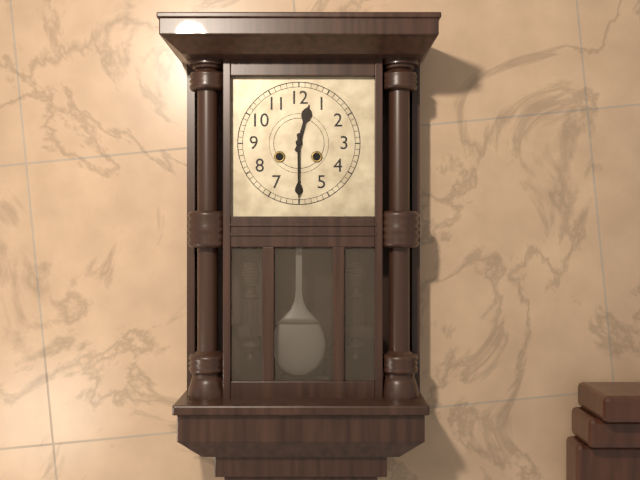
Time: {"hour": 12, "minute": 30}
